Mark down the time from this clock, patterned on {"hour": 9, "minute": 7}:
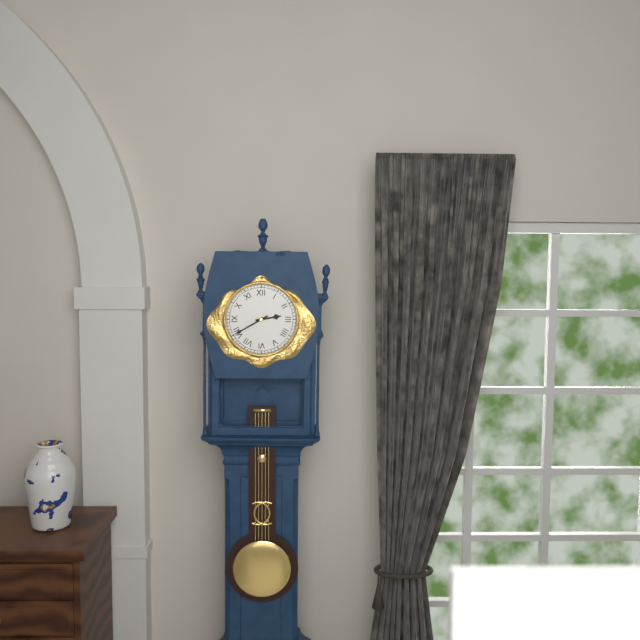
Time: {"hour": 2, "minute": 40}
